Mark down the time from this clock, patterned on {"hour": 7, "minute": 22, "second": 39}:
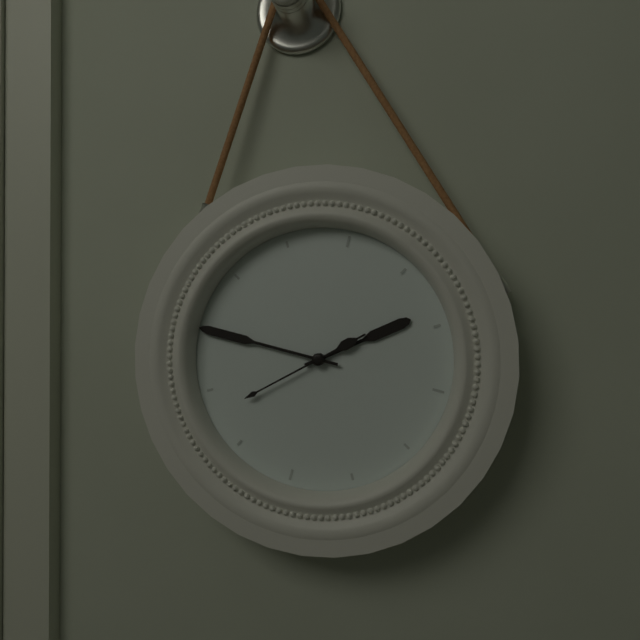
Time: {"hour": 1, "minute": 45, "second": 38}
